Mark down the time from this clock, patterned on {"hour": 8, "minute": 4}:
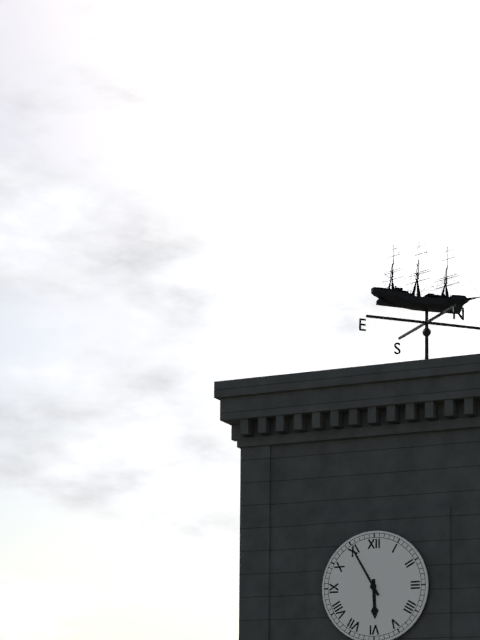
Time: {"hour": 5, "minute": 55}
